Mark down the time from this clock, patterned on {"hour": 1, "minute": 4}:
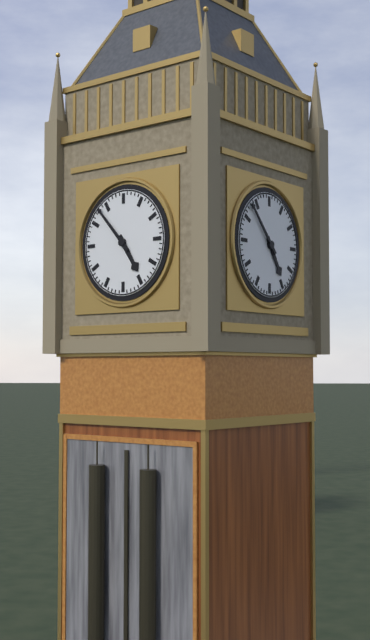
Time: {"hour": 4, "minute": 53}
